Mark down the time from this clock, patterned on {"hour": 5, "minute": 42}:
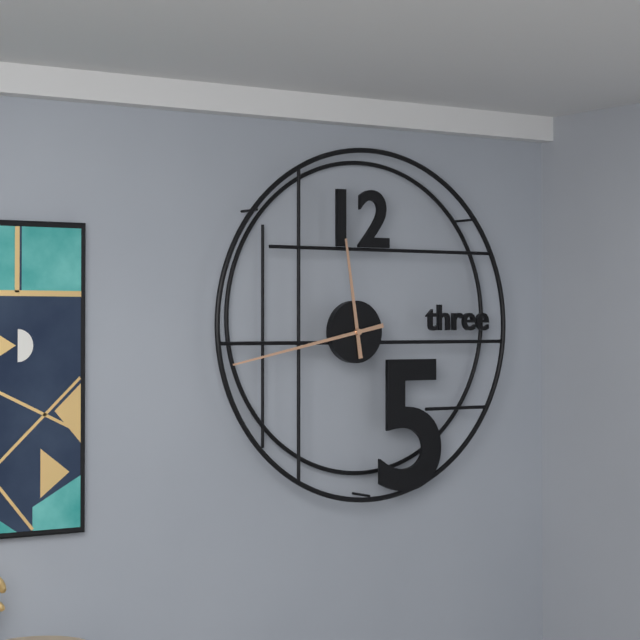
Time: {"hour": 11, "minute": 43}
